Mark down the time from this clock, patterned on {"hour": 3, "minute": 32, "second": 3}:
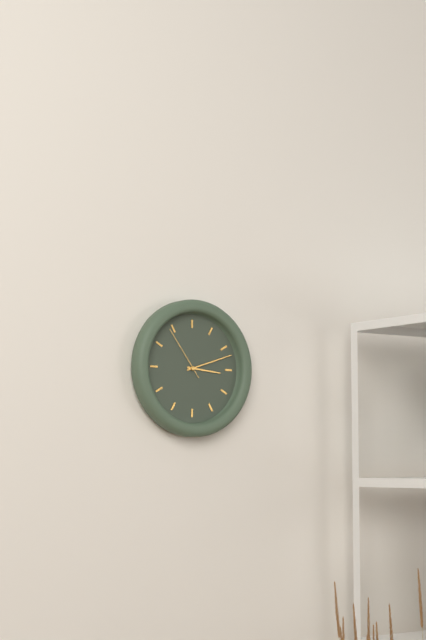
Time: {"hour": 3, "minute": 12, "second": 54}
